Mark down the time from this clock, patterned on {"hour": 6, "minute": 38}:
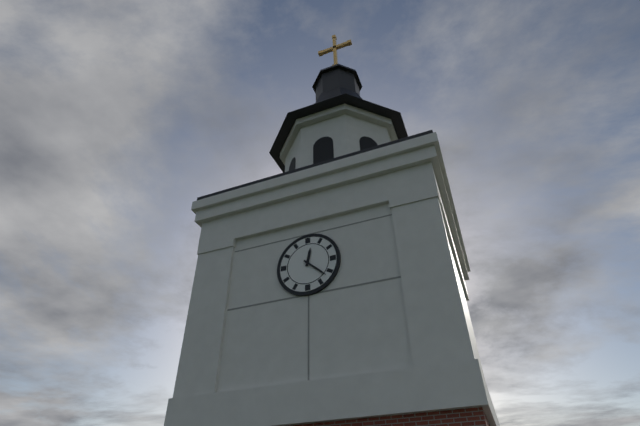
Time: {"hour": 12, "minute": 22}
